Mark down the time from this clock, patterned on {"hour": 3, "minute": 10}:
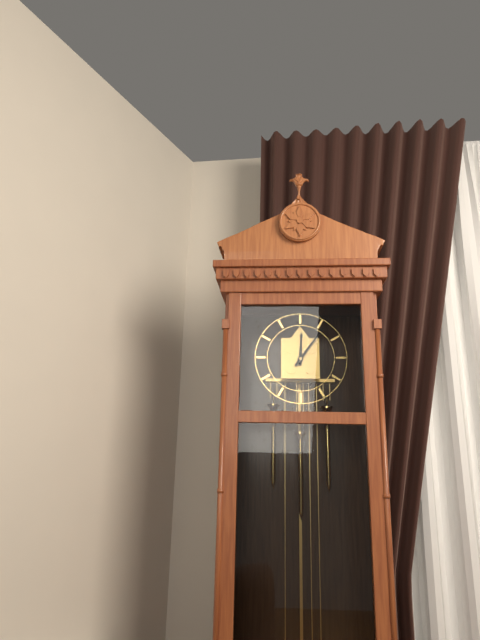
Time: {"hour": 12, "minute": 6}
